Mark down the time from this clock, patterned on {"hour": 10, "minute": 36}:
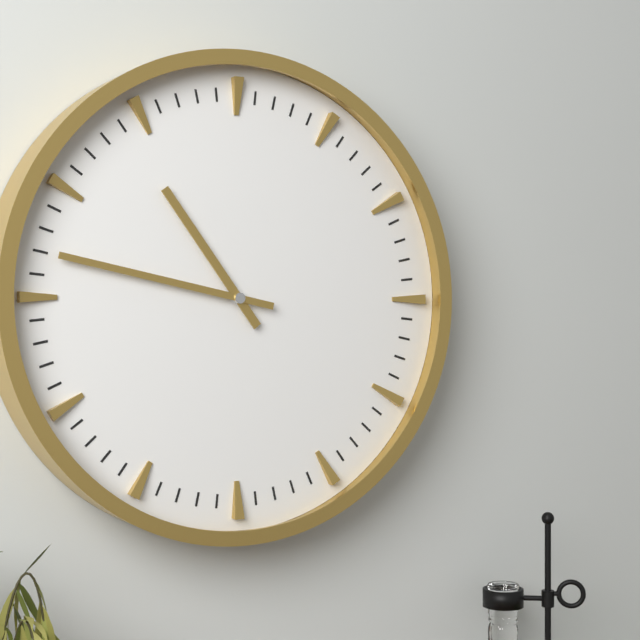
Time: {"hour": 10, "minute": 47}
